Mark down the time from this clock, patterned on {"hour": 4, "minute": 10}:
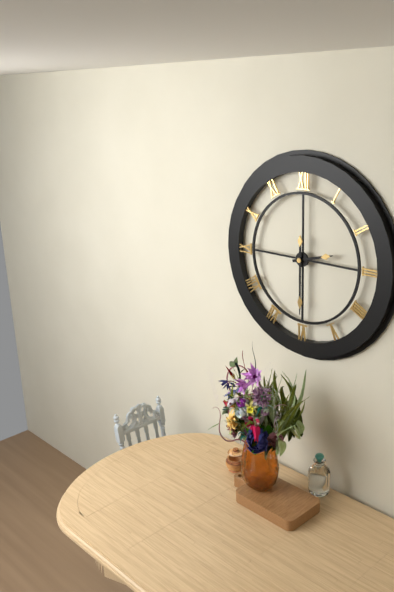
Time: {"hour": 2, "minute": 30}
